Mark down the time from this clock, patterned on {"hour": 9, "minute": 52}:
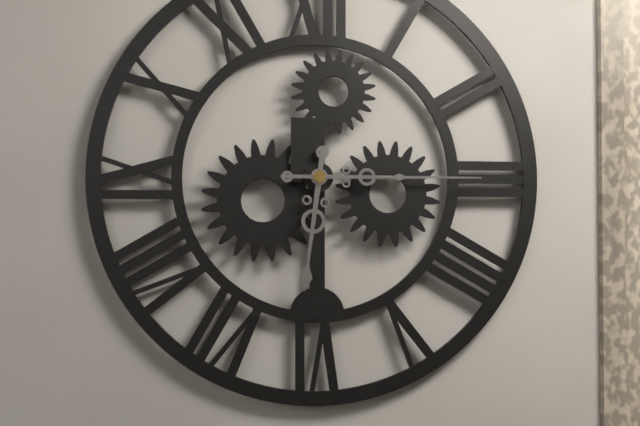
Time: {"hour": 6, "minute": 15}
